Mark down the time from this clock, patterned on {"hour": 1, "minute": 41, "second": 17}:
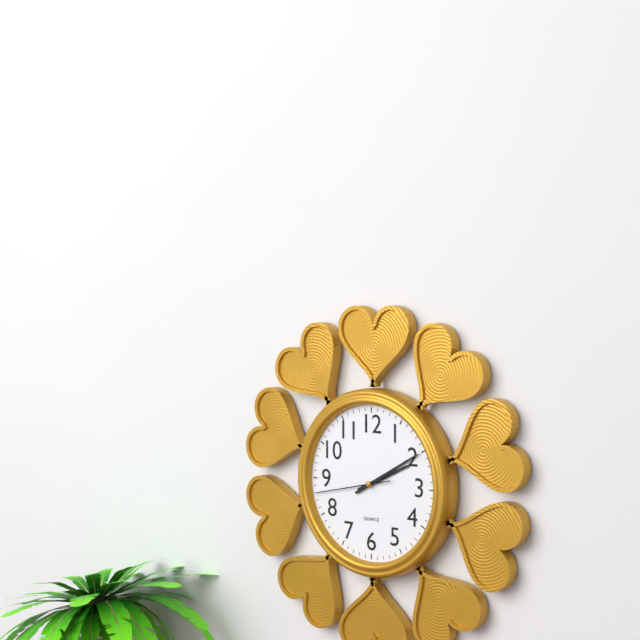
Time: {"hour": 2, "minute": 10, "second": 43}
